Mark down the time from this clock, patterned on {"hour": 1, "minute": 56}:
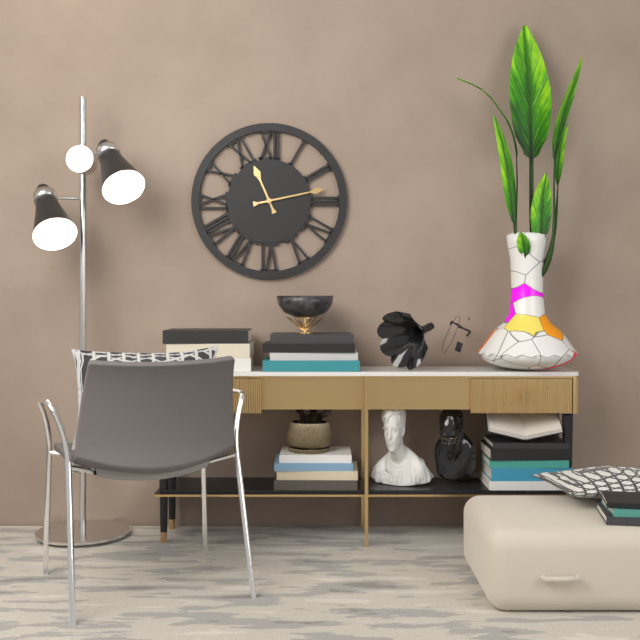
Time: {"hour": 11, "minute": 13}
